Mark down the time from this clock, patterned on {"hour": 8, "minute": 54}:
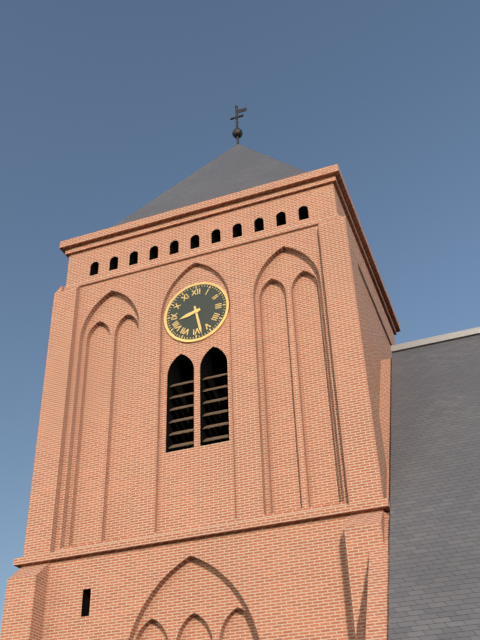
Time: {"hour": 8, "minute": 28}
